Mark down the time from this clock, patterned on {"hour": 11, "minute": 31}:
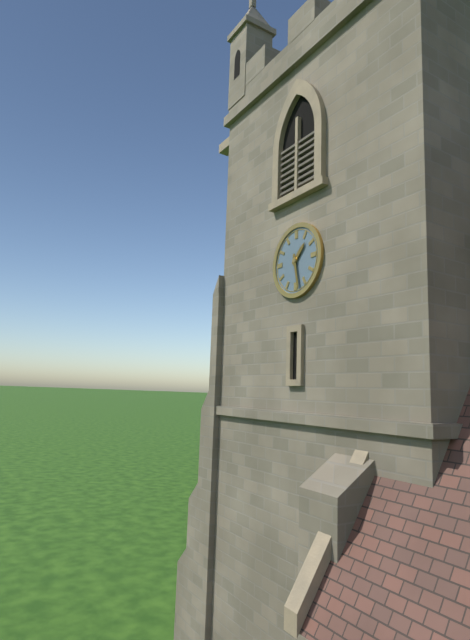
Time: {"hour": 1, "minute": 28}
